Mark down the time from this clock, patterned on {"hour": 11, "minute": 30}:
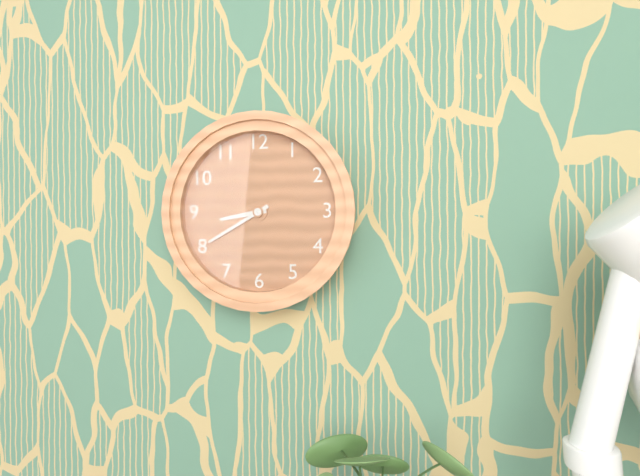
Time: {"hour": 8, "minute": 40}
